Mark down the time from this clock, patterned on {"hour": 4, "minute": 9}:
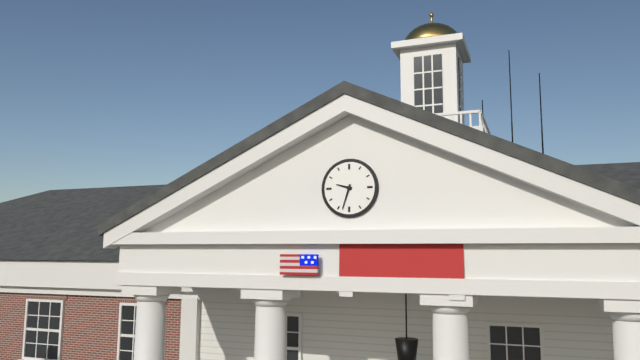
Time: {"hour": 9, "minute": 33}
